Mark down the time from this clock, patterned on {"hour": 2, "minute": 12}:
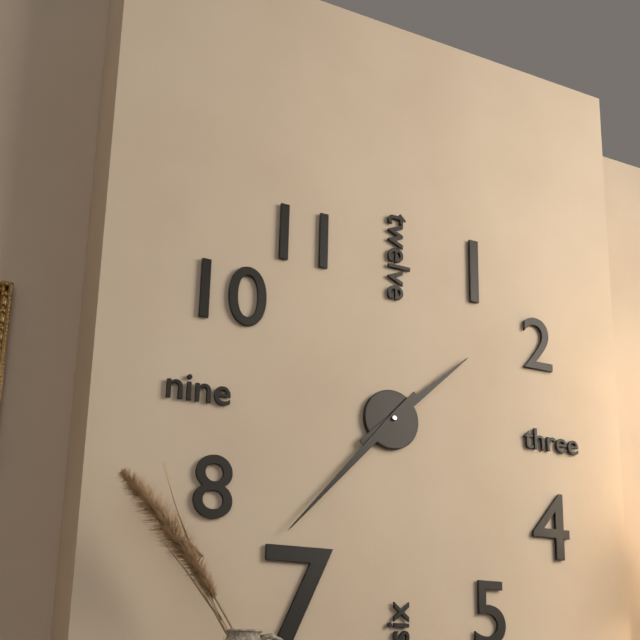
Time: {"hour": 1, "minute": 37}
